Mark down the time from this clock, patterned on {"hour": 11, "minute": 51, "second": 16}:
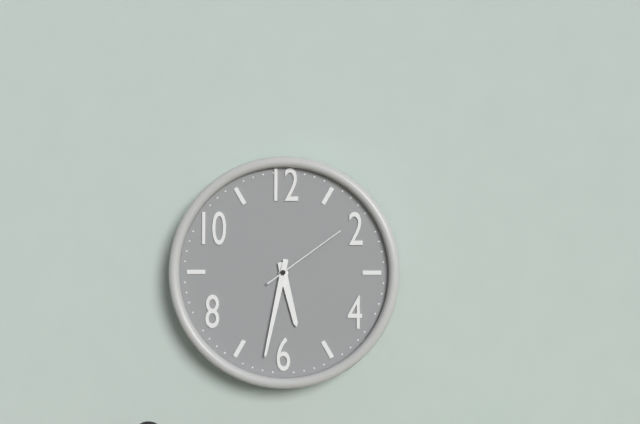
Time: {"hour": 5, "minute": 32, "second": 9}
